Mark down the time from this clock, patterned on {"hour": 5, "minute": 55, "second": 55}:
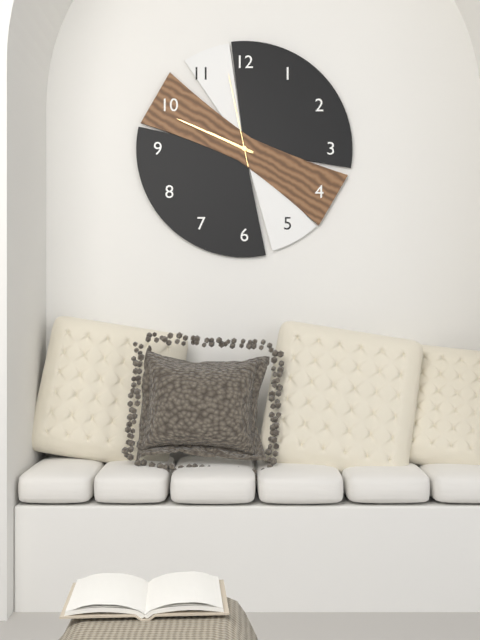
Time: {"hour": 9, "minute": 49, "second": 58}
